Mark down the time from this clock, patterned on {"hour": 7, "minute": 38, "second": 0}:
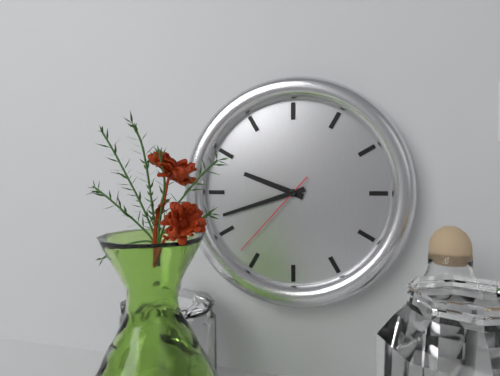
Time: {"hour": 9, "minute": 42, "second": 37}
